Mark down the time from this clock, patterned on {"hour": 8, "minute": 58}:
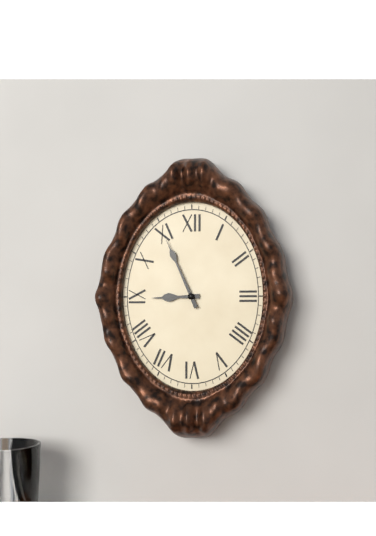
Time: {"hour": 8, "minute": 56}
